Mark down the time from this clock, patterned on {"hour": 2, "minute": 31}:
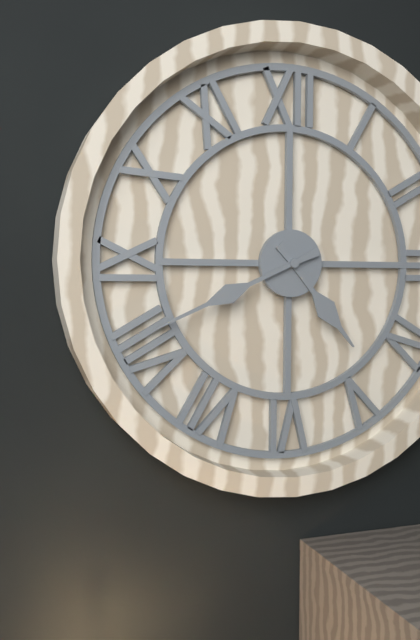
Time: {"hour": 4, "minute": 41}
